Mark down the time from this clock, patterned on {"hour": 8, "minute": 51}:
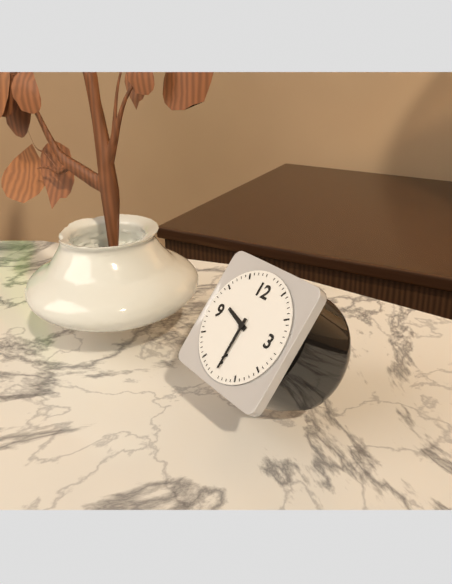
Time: {"hour": 9, "minute": 30}
